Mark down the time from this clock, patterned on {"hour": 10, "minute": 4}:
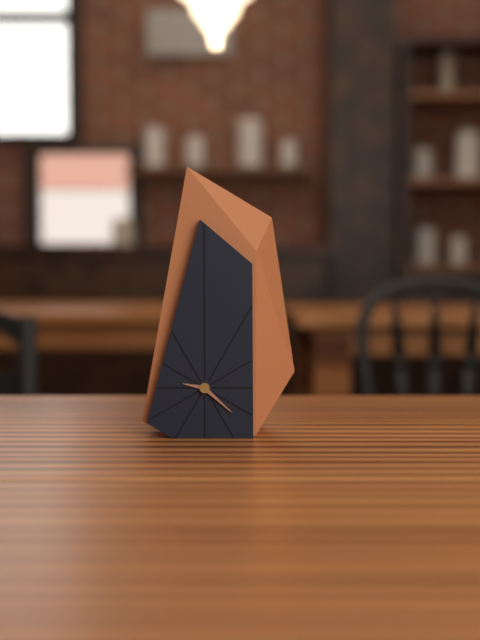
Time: {"hour": 9, "minute": 22}
